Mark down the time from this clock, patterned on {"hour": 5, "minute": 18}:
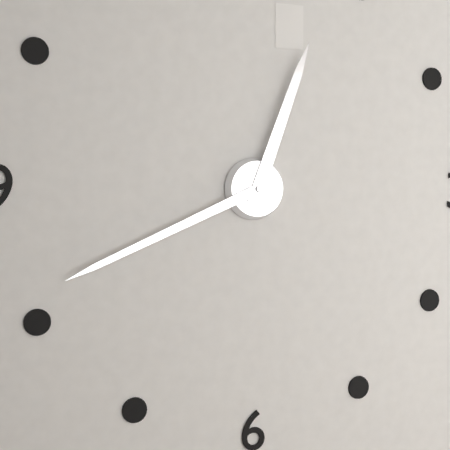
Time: {"hour": 12, "minute": 41}
